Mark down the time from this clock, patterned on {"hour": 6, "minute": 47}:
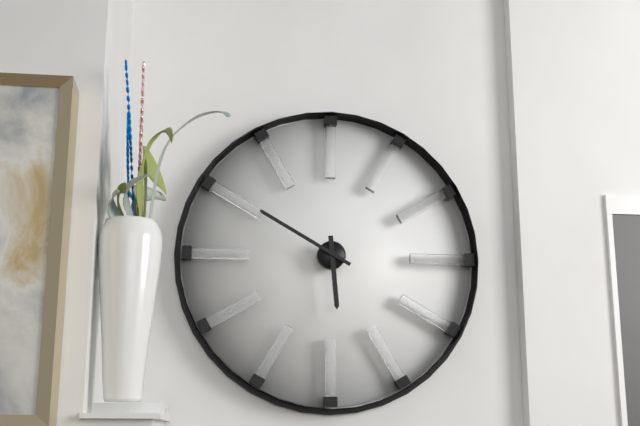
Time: {"hour": 5, "minute": 50}
